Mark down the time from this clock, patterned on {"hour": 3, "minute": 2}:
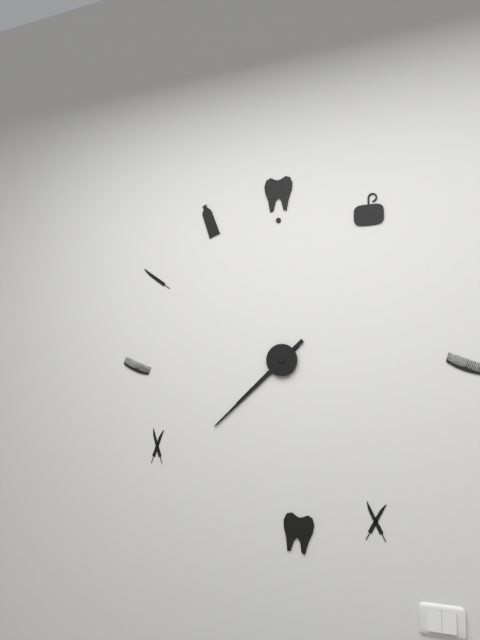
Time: {"hour": 7, "minute": 38}
